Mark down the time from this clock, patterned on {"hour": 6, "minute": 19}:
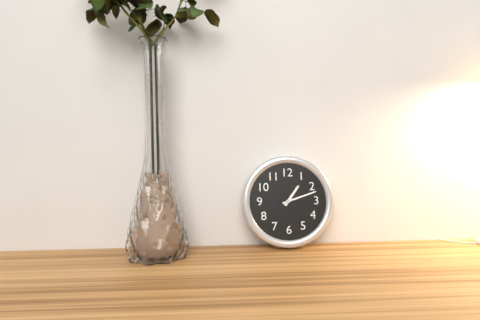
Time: {"hour": 1, "minute": 12}
